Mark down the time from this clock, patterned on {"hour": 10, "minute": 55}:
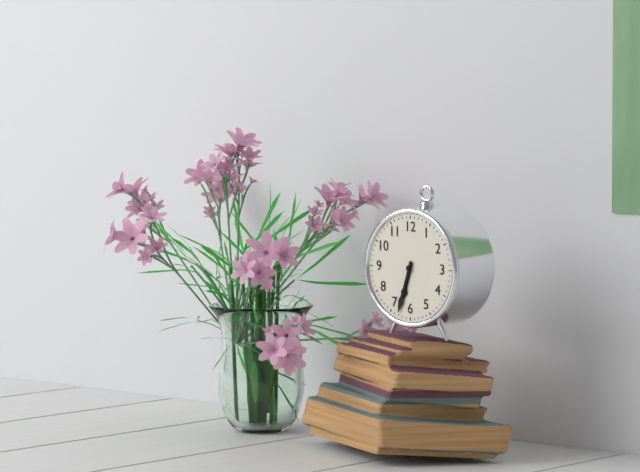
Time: {"hour": 6, "minute": 33}
